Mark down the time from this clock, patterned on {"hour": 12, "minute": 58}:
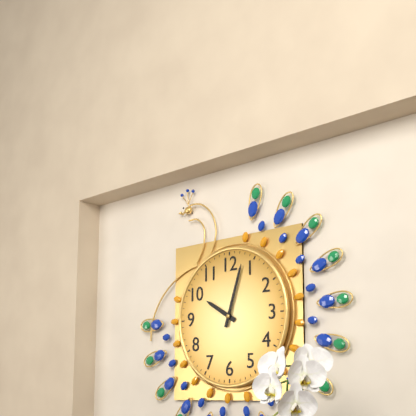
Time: {"hour": 10, "minute": 3}
